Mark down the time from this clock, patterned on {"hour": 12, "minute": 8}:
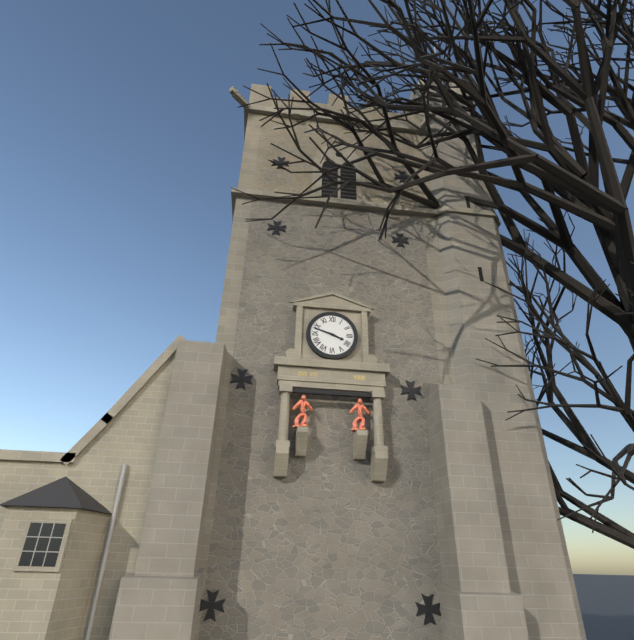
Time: {"hour": 3, "minute": 48}
